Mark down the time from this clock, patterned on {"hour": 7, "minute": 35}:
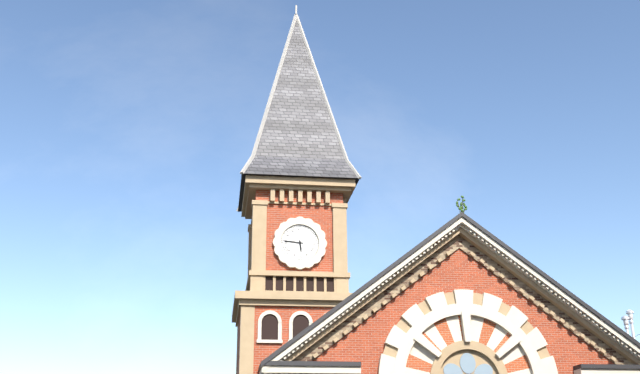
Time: {"hour": 5, "minute": 46}
